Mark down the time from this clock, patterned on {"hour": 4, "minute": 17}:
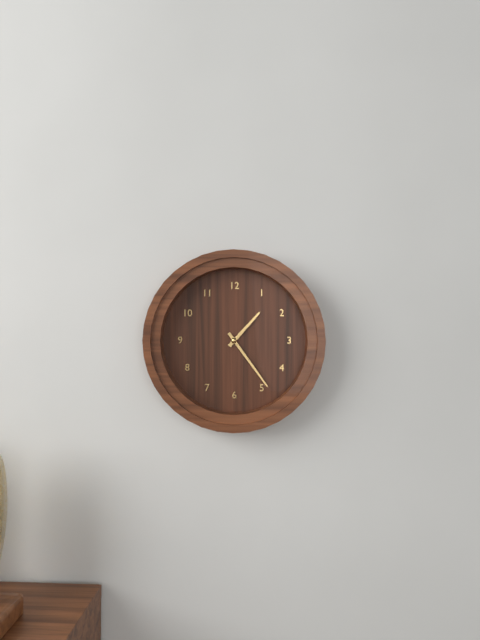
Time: {"hour": 1, "minute": 24}
